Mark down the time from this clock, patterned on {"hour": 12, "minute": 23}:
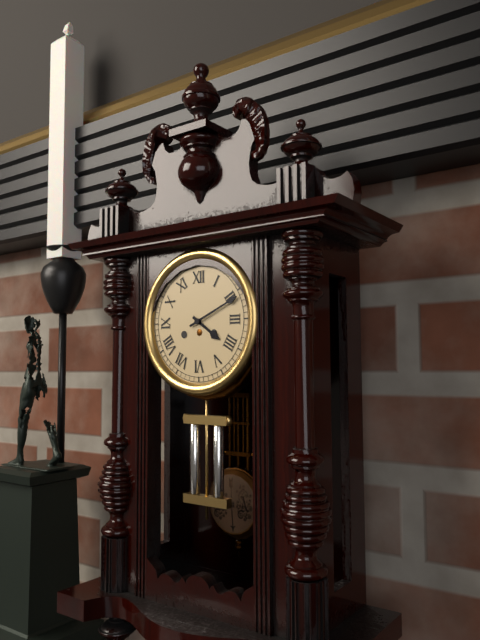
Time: {"hour": 4, "minute": 11}
